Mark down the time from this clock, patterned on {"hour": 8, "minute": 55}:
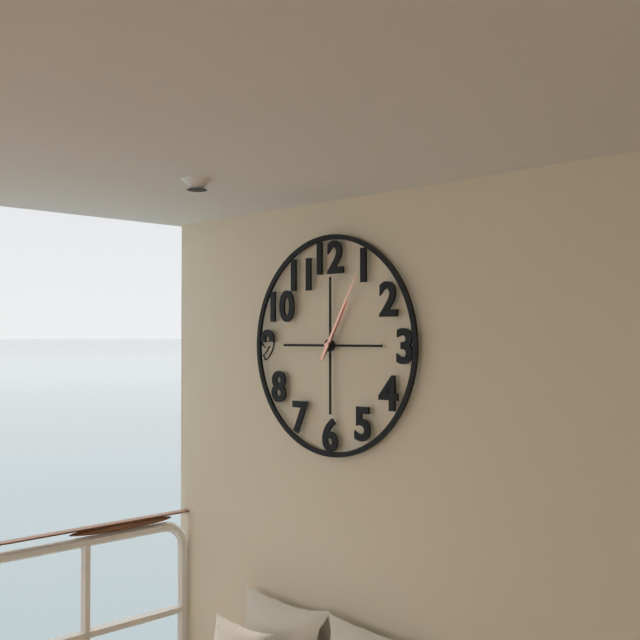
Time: {"hour": 1, "minute": 5}
